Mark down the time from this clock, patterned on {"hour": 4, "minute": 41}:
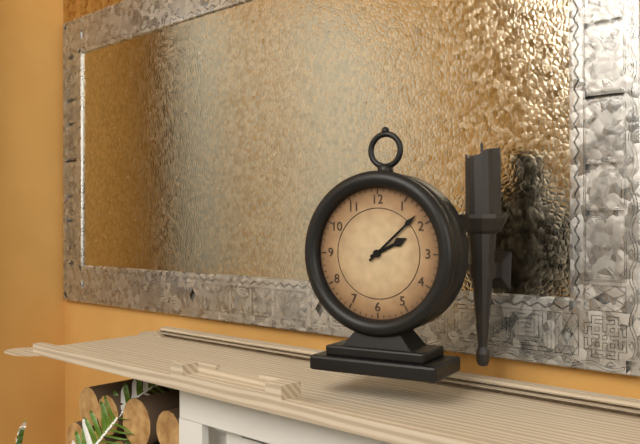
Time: {"hour": 2, "minute": 8}
